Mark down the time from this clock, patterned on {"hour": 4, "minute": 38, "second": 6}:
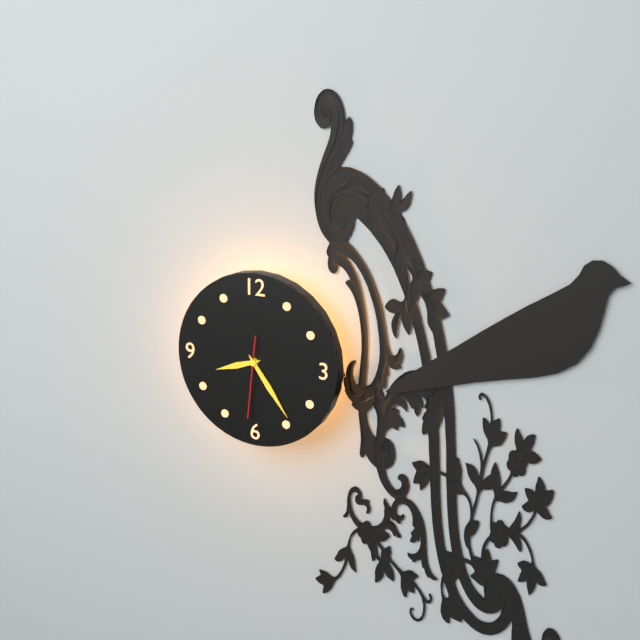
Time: {"hour": 8, "minute": 24, "second": 31}
